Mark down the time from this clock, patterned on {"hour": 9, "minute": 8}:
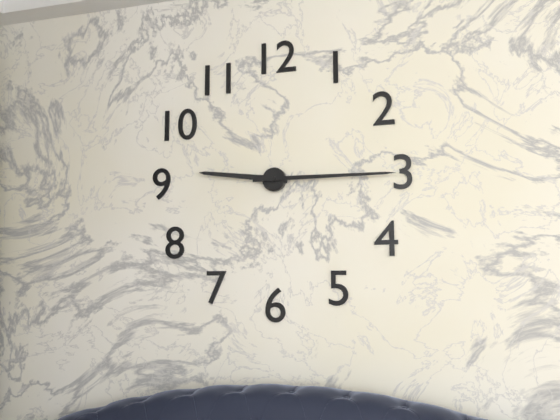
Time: {"hour": 9, "minute": 15}
